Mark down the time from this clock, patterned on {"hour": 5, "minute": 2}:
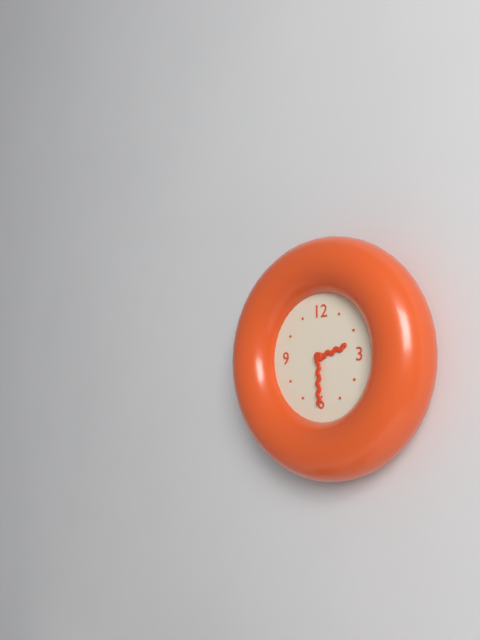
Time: {"hour": 2, "minute": 30}
